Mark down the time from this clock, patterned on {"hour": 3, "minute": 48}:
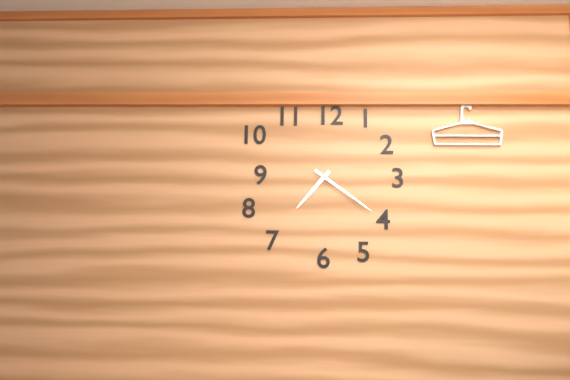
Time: {"hour": 7, "minute": 21}
